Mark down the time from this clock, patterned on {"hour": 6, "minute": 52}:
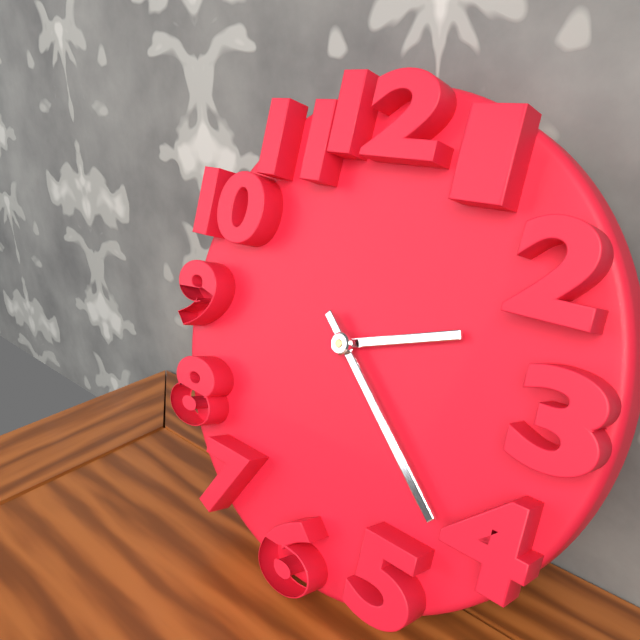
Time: {"hour": 2, "minute": 22}
